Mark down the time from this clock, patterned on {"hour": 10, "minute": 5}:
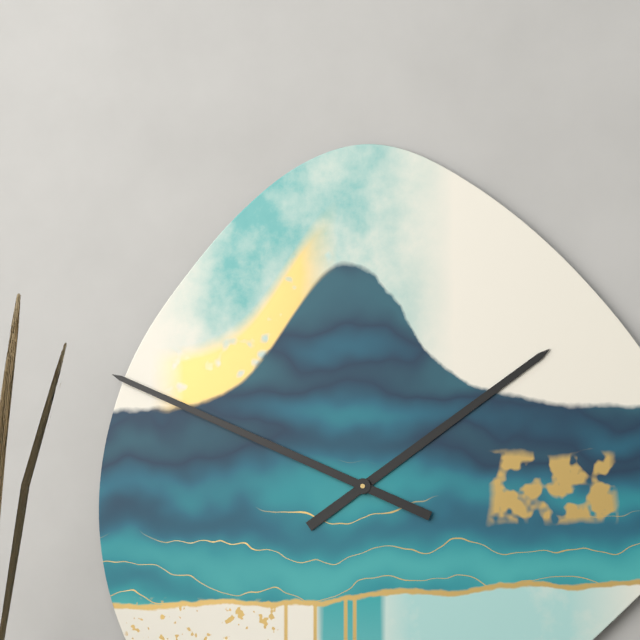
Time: {"hour": 1, "minute": 49}
